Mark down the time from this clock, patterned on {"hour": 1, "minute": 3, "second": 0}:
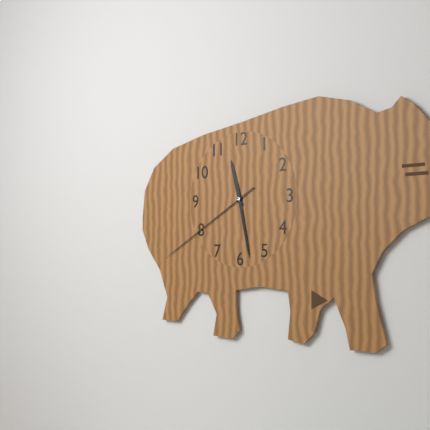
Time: {"hour": 11, "minute": 28, "second": 40}
